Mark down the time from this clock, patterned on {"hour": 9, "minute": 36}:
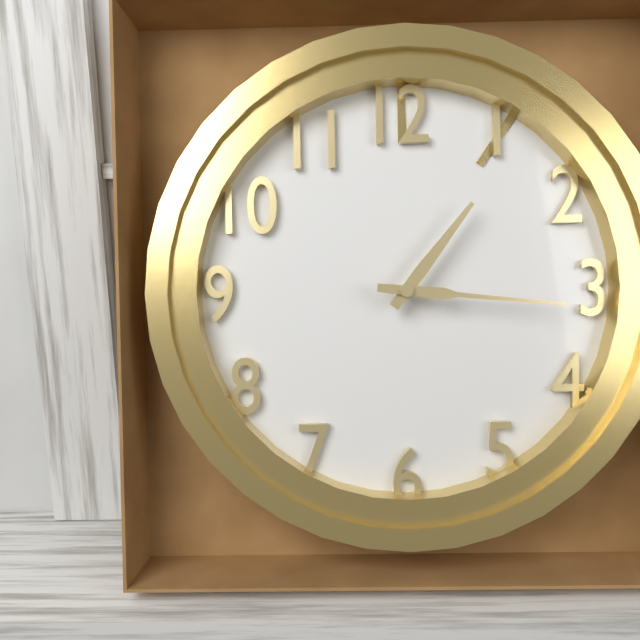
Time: {"hour": 1, "minute": 16}
